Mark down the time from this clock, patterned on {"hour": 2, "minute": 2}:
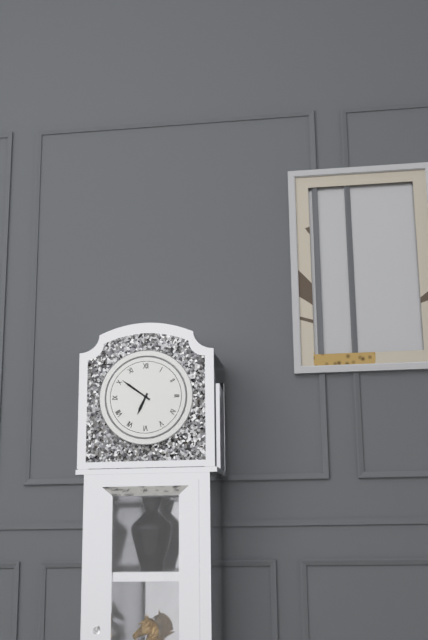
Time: {"hour": 6, "minute": 51}
